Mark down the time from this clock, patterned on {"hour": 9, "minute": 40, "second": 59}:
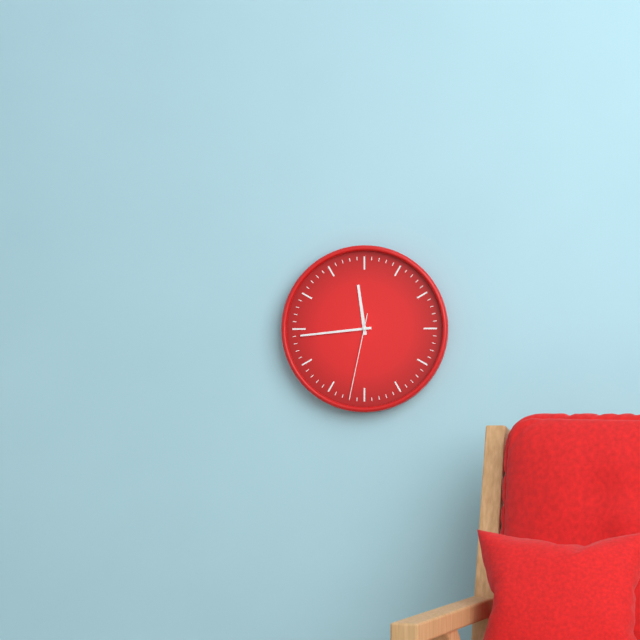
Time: {"hour": 11, "minute": 44, "second": 32}
